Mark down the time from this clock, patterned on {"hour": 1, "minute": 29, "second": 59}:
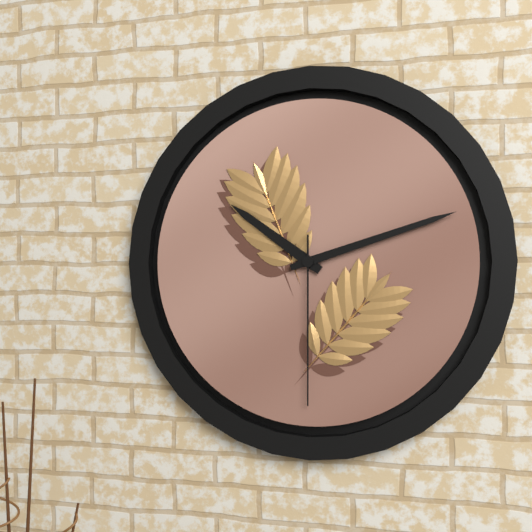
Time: {"hour": 10, "minute": 12, "second": 30}
